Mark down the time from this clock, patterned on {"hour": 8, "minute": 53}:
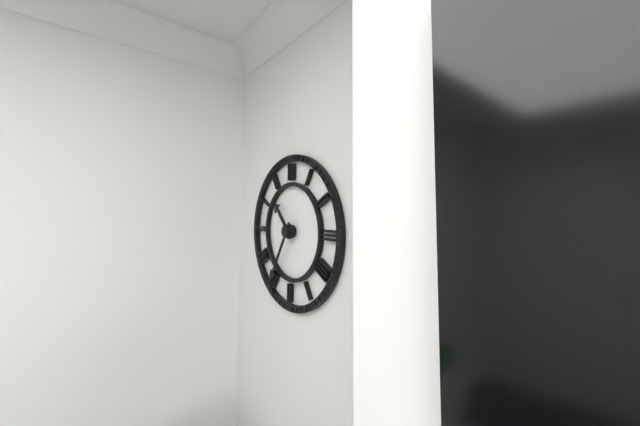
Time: {"hour": 10, "minute": 35}
